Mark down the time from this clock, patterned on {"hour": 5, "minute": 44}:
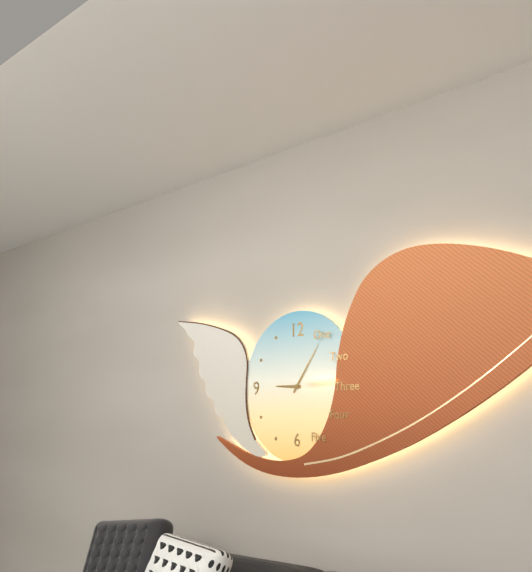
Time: {"hour": 9, "minute": 6}
